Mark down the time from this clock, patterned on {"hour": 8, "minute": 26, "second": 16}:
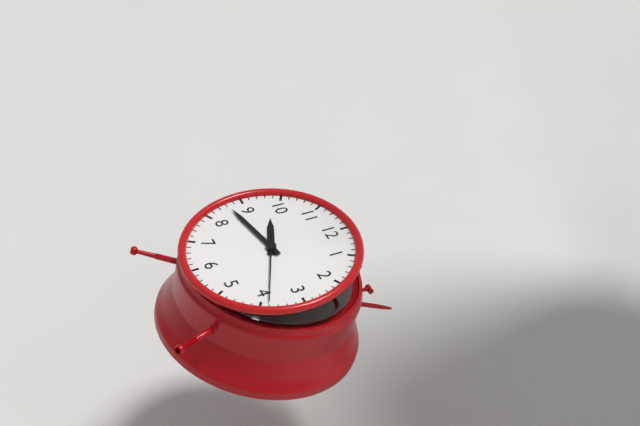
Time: {"hour": 9, "minute": 43, "second": 19}
